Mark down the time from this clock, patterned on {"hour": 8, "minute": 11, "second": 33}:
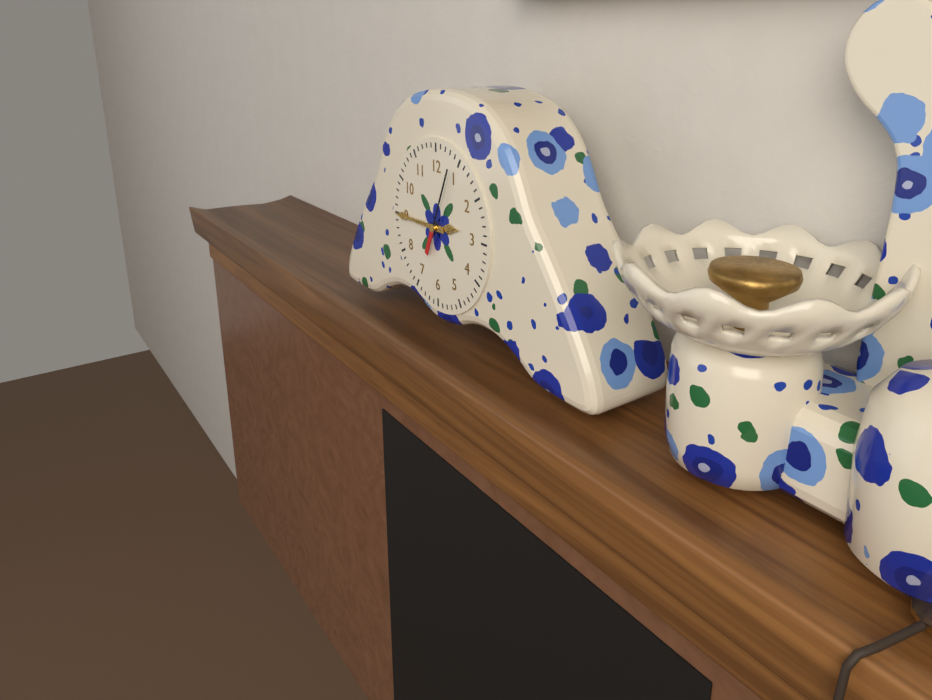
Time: {"hour": 2, "minute": 45, "second": 4}
